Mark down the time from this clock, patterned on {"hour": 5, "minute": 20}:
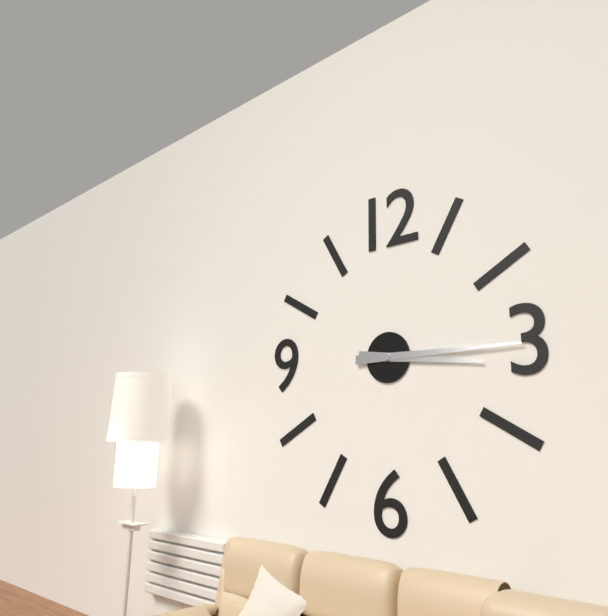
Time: {"hour": 3, "minute": 15}
